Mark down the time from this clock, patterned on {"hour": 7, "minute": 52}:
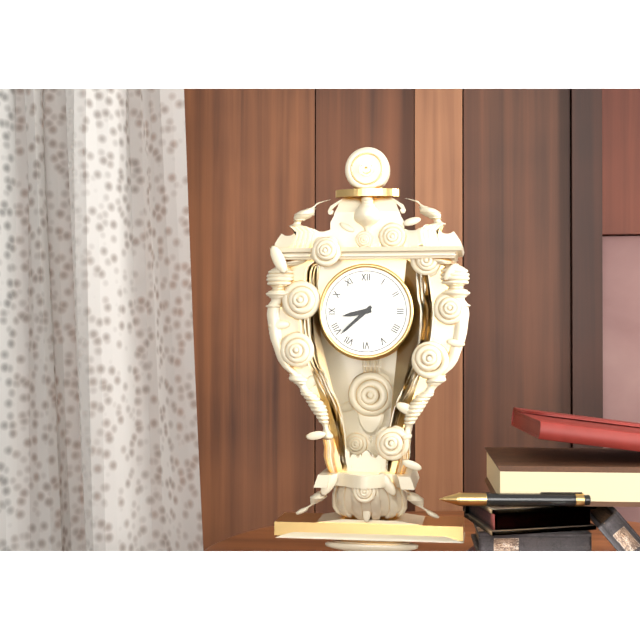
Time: {"hour": 8, "minute": 38}
